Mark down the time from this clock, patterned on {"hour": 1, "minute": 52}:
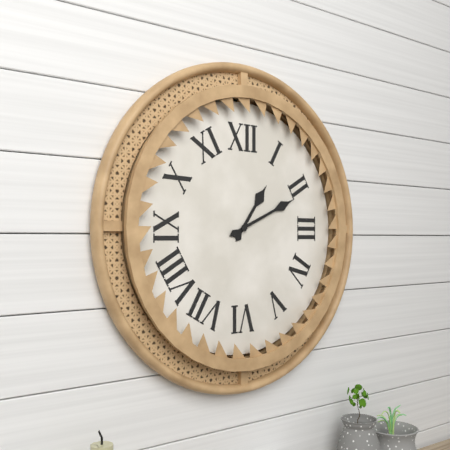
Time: {"hour": 1, "minute": 11}
